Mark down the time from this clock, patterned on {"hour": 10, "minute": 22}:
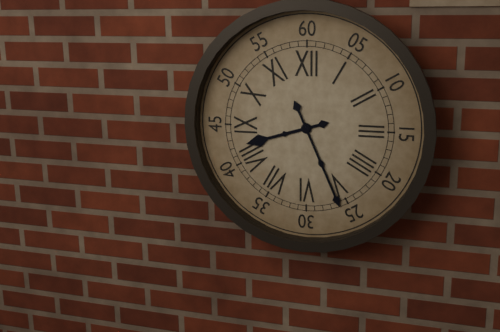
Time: {"hour": 8, "minute": 26}
